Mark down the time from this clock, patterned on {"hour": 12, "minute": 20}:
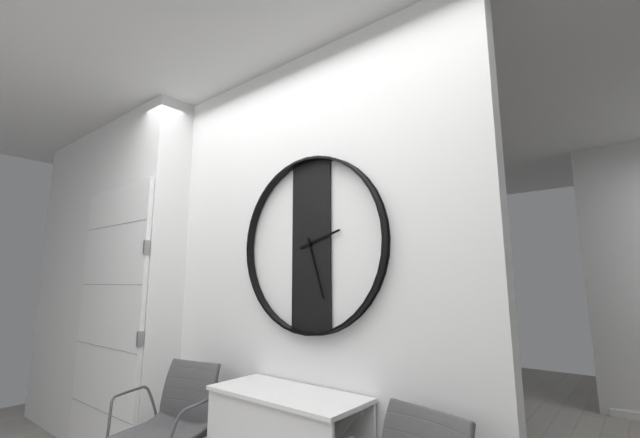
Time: {"hour": 2, "minute": 27}
